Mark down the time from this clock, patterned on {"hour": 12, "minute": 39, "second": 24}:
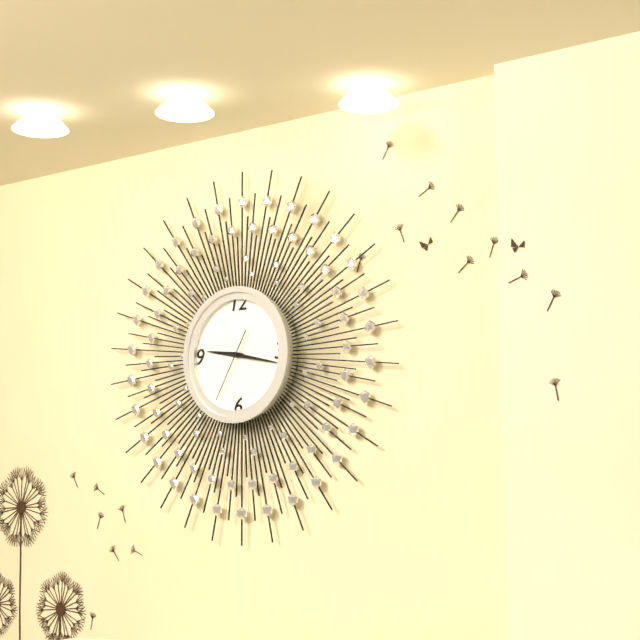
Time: {"hour": 9, "minute": 17, "second": 35}
